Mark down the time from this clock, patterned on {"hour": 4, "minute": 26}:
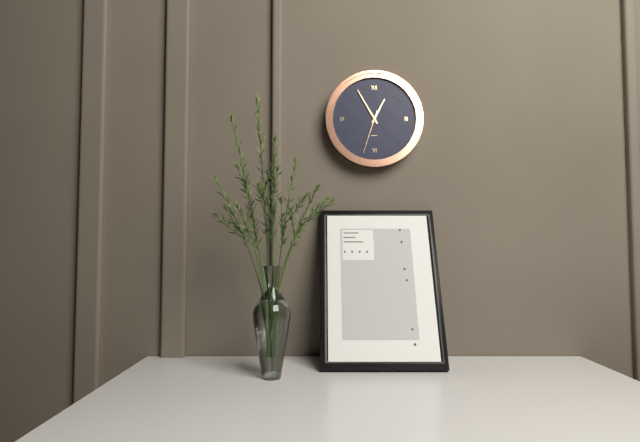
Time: {"hour": 12, "minute": 55}
